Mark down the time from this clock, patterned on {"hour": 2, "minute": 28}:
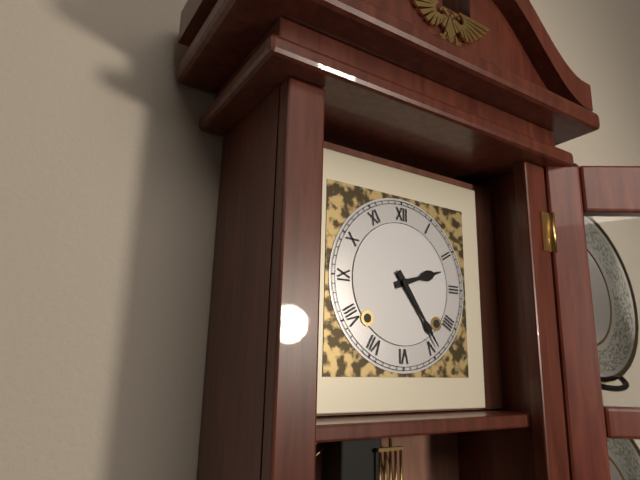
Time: {"hour": 2, "minute": 24}
